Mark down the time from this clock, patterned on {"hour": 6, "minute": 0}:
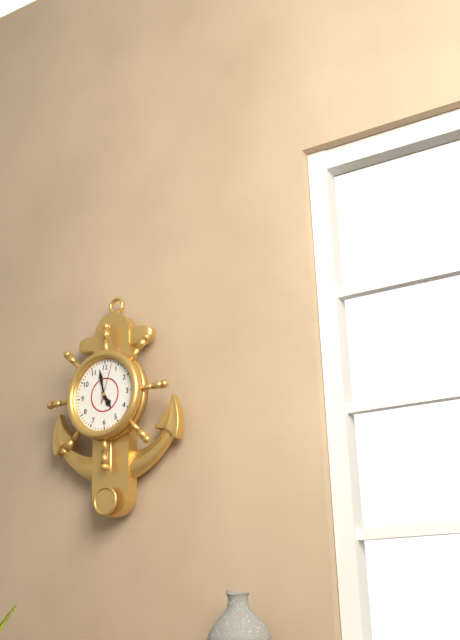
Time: {"hour": 4, "minute": 58}
